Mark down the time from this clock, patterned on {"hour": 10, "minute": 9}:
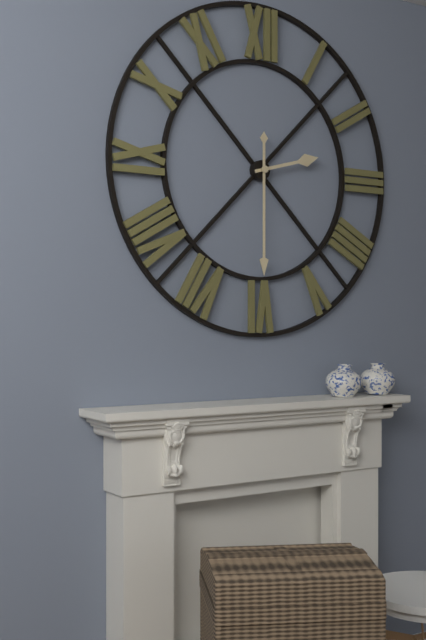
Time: {"hour": 2, "minute": 30}
